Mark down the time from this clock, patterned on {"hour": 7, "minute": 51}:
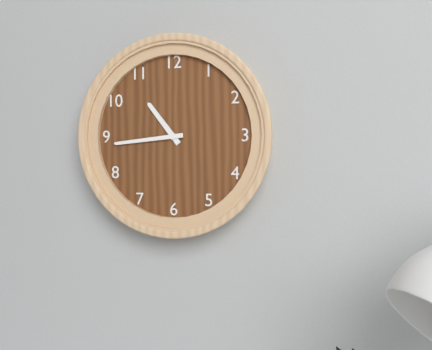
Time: {"hour": 10, "minute": 44}
